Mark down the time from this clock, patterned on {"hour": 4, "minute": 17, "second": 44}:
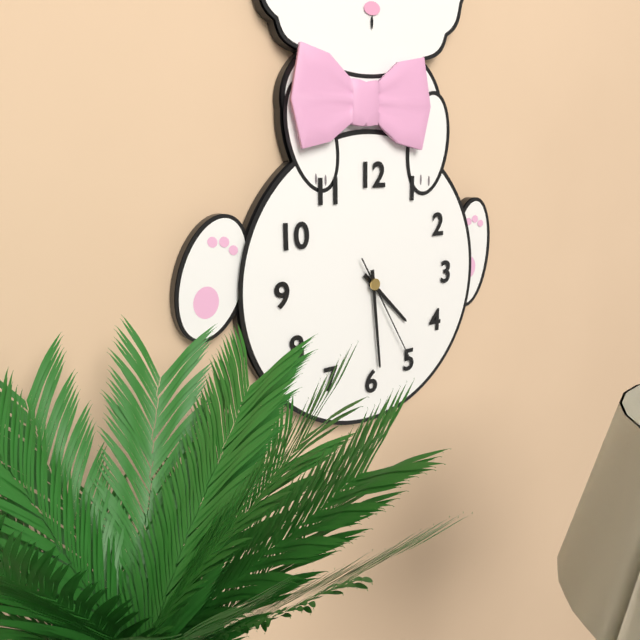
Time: {"hour": 4, "minute": 29, "second": 25}
